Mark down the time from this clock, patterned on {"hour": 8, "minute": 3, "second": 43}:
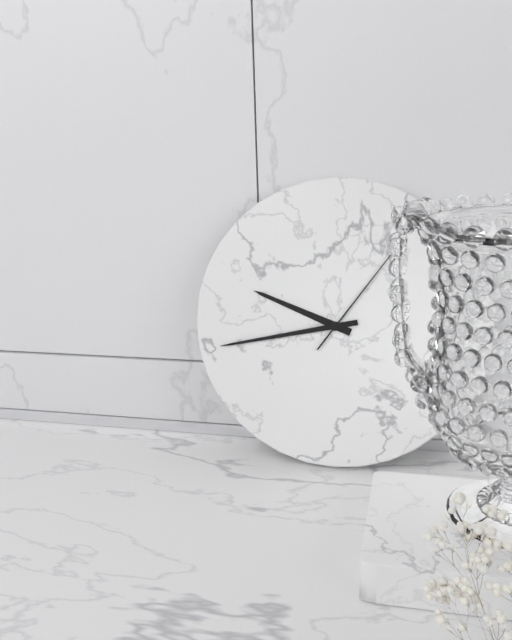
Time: {"hour": 9, "minute": 43, "second": 6}
